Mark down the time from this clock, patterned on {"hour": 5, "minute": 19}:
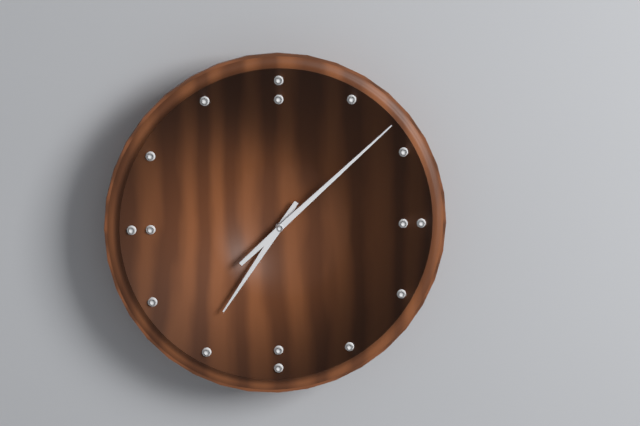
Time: {"hour": 7, "minute": 8}
